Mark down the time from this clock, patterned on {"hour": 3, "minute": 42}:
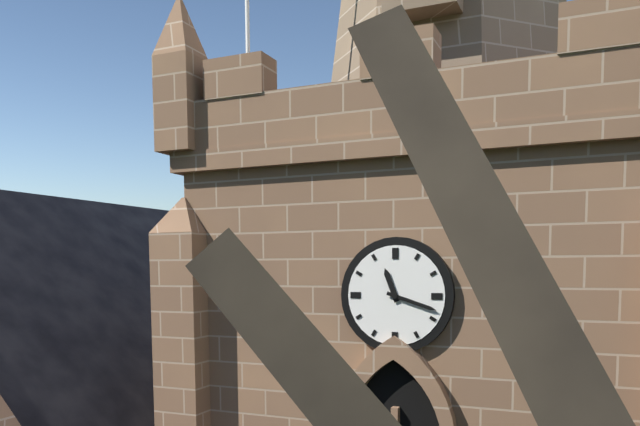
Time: {"hour": 11, "minute": 18}
